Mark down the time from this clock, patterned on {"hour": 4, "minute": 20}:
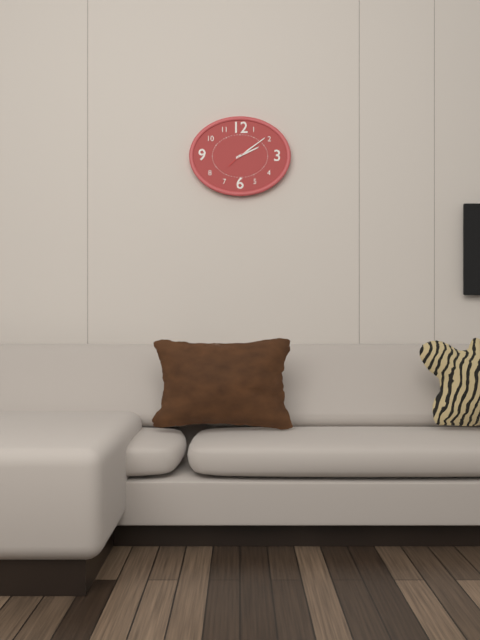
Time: {"hour": 2, "minute": 9}
